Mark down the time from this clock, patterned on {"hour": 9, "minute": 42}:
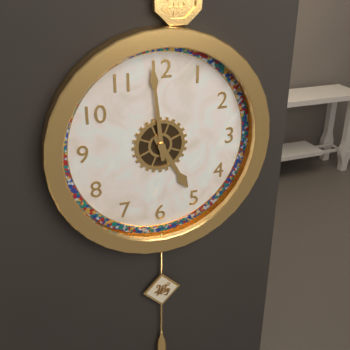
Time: {"hour": 4, "minute": 59}
